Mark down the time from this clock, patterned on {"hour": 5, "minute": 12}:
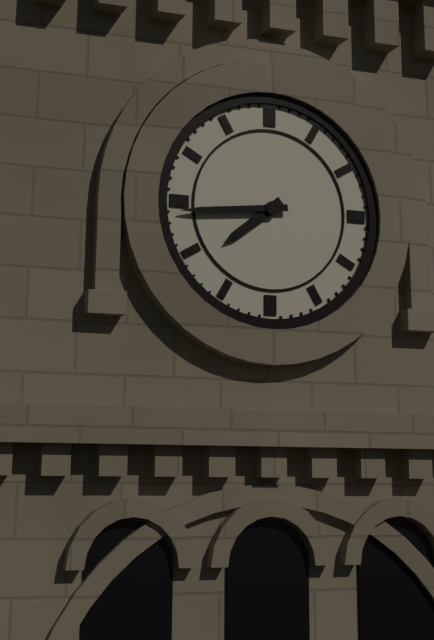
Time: {"hour": 7, "minute": 44}
